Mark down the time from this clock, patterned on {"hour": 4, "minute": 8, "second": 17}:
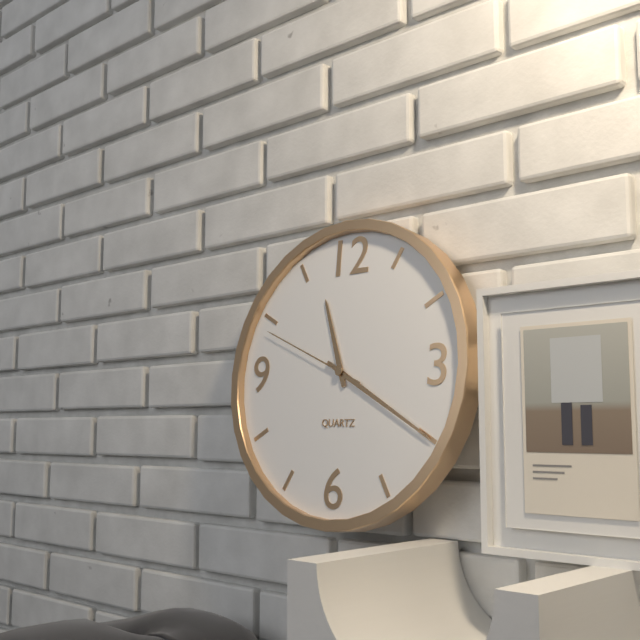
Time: {"hour": 11, "minute": 20, "second": 49}
